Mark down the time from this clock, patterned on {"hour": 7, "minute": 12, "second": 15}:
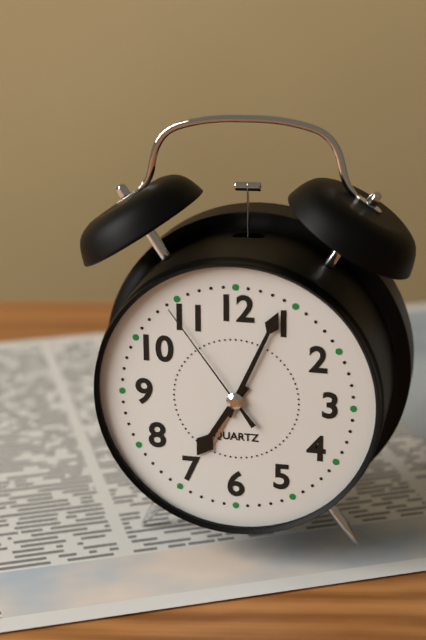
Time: {"hour": 7, "minute": 4, "second": 54}
